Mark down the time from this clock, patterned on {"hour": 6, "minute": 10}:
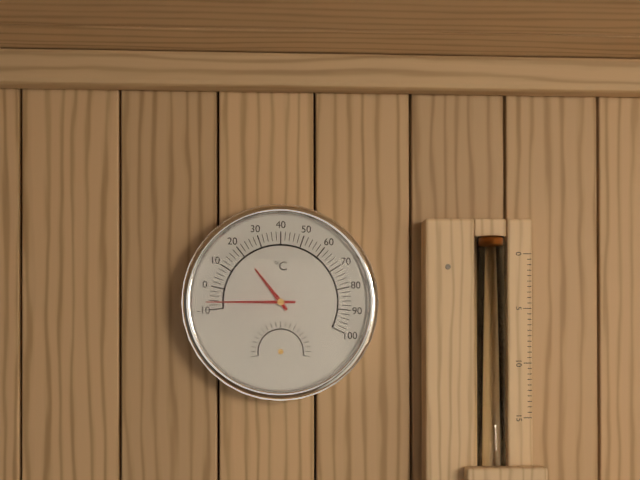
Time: {"hour": 10, "minute": 45}
